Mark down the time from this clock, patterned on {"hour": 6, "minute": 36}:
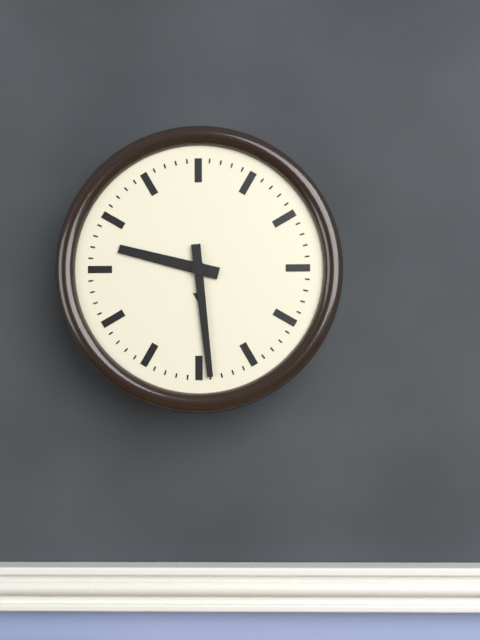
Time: {"hour": 9, "minute": 29}
